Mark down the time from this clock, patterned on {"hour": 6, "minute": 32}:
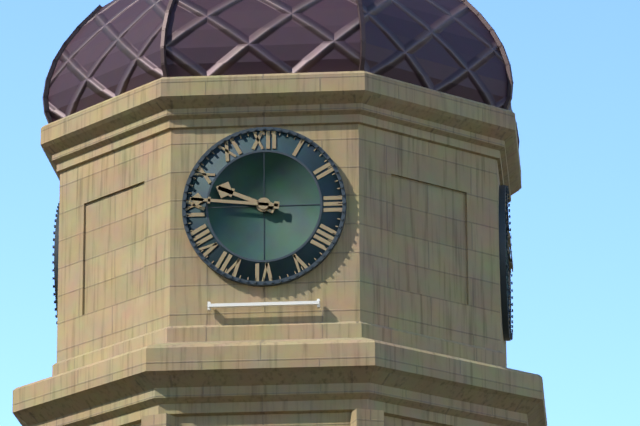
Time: {"hour": 9, "minute": 46}
